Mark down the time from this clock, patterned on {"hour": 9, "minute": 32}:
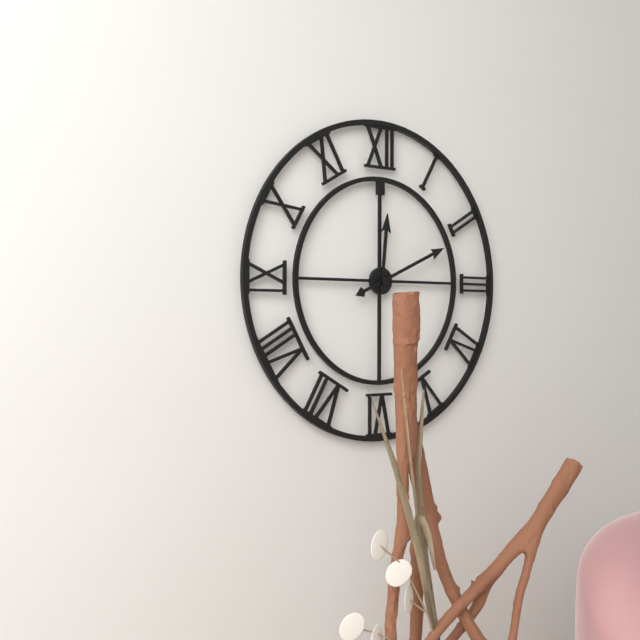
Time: {"hour": 12, "minute": 11}
